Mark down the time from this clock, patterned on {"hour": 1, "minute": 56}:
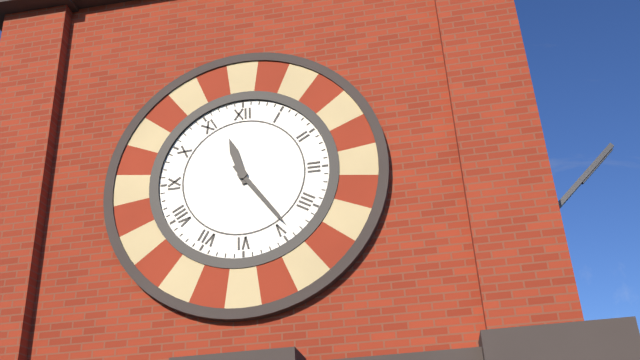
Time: {"hour": 11, "minute": 24}
